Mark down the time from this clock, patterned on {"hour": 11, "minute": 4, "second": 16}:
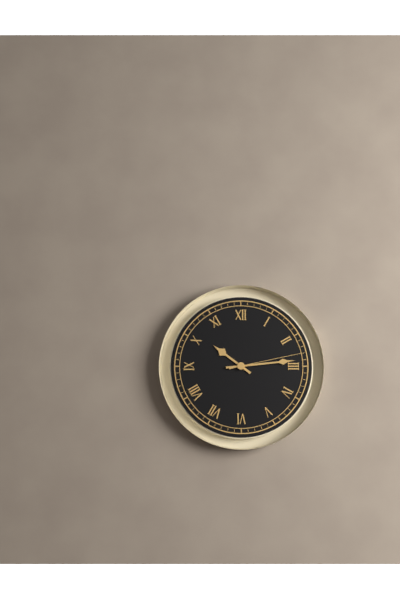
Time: {"hour": 10, "minute": 14, "second": 13}
